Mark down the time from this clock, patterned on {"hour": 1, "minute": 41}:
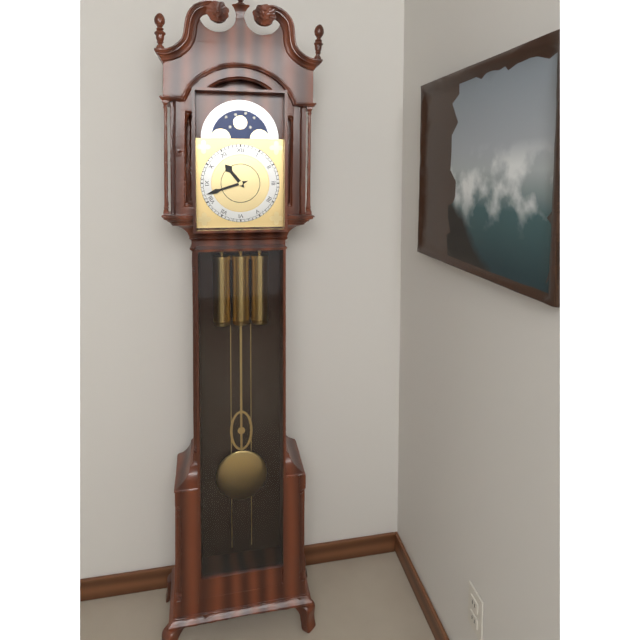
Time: {"hour": 10, "minute": 42}
